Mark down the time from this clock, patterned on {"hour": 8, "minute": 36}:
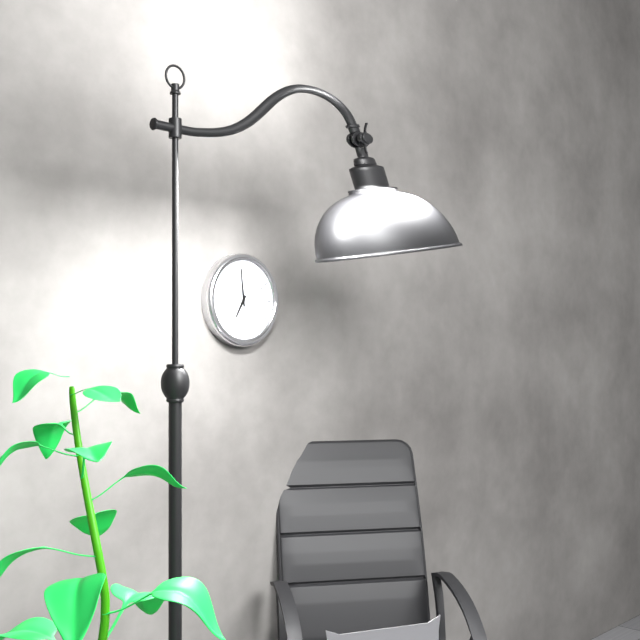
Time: {"hour": 6, "minute": 59}
